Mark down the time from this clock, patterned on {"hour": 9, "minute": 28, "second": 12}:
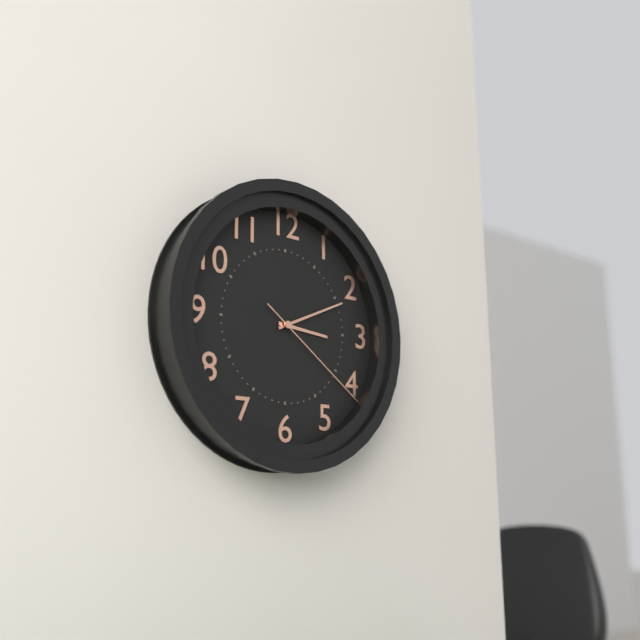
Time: {"hour": 3, "minute": 11, "second": 21}
